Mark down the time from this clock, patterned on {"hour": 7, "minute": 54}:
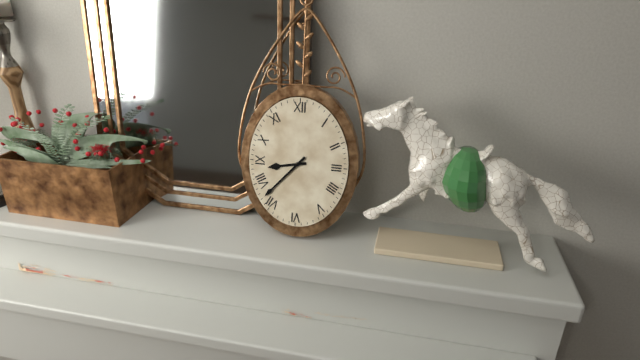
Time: {"hour": 8, "minute": 37}
